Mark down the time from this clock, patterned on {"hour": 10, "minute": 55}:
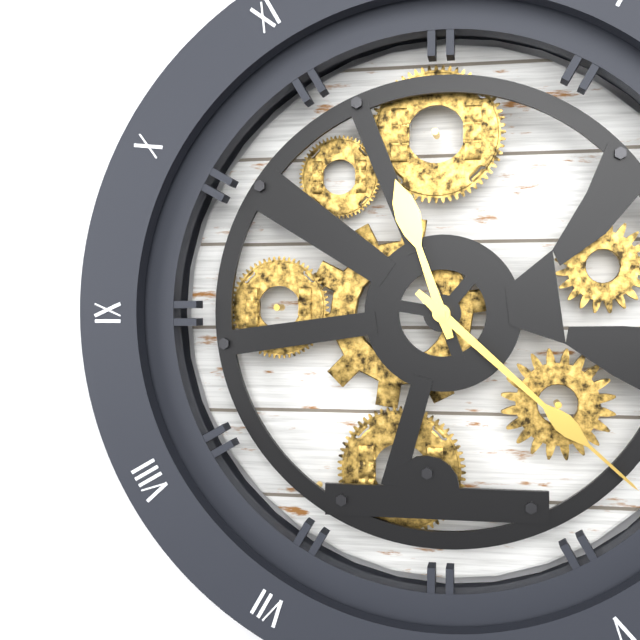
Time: {"hour": 11, "minute": 22}
